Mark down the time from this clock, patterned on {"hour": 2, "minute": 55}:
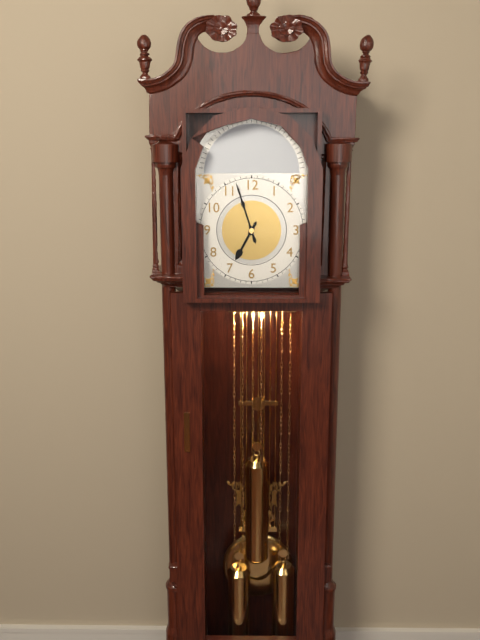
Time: {"hour": 6, "minute": 57}
